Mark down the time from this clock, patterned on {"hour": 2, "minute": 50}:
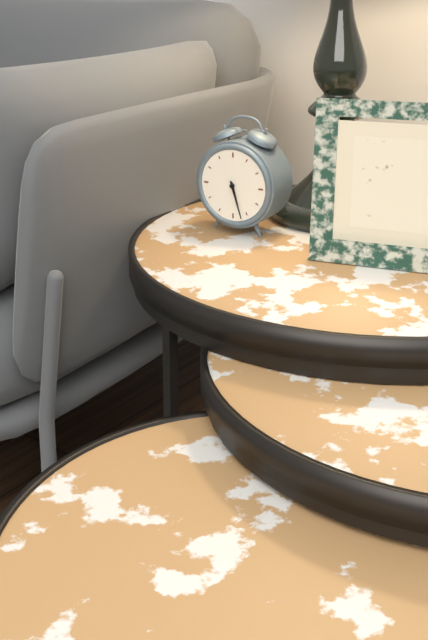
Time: {"hour": 5, "minute": 27}
